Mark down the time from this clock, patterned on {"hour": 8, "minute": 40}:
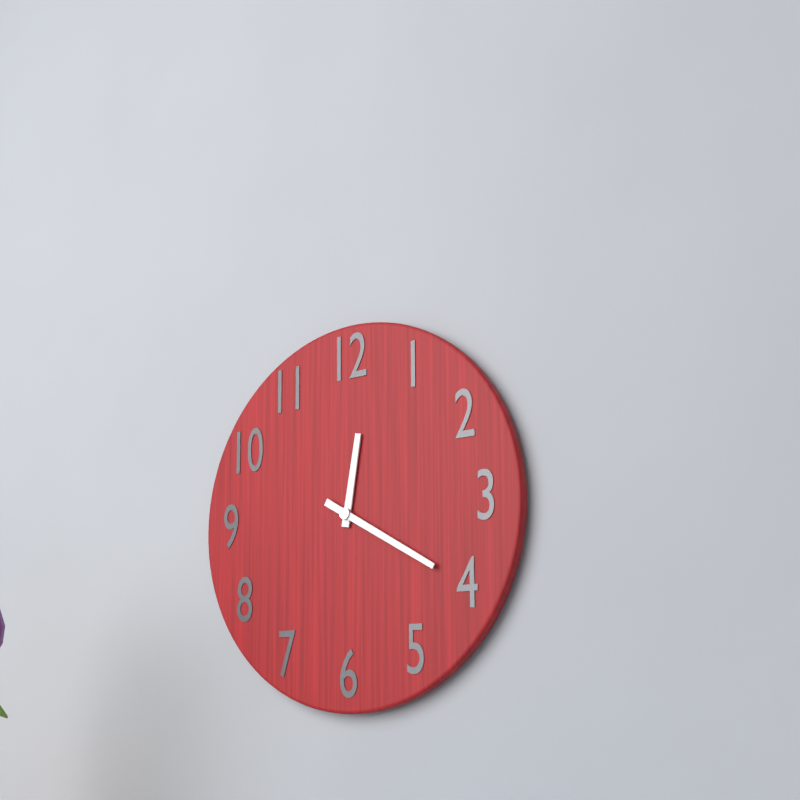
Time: {"hour": 12, "minute": 20}
